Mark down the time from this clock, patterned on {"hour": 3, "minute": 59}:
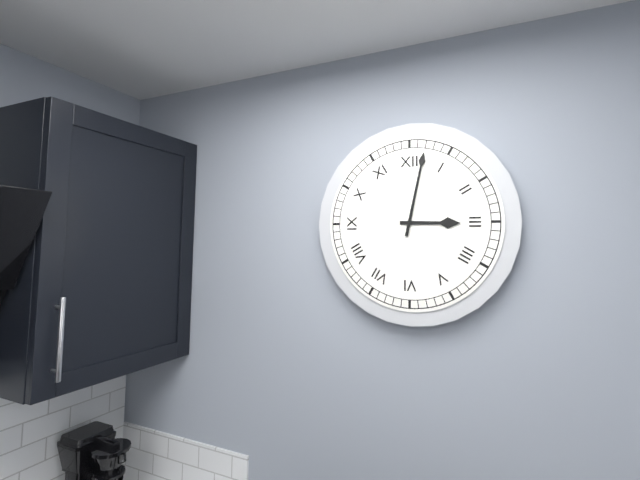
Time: {"hour": 3, "minute": 2}
